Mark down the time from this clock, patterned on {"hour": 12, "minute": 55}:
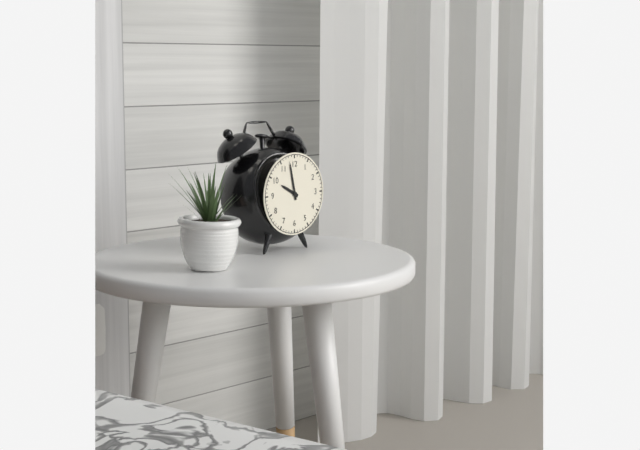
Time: {"hour": 9, "minute": 58}
